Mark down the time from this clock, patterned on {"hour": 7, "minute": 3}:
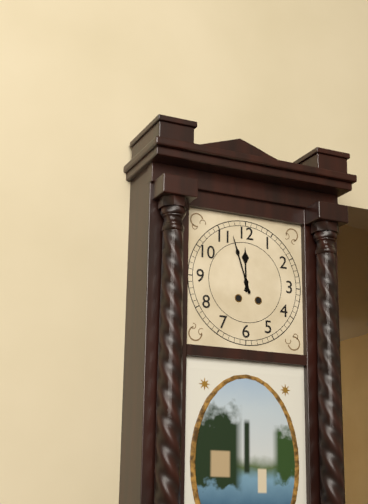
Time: {"hour": 11, "minute": 57}
